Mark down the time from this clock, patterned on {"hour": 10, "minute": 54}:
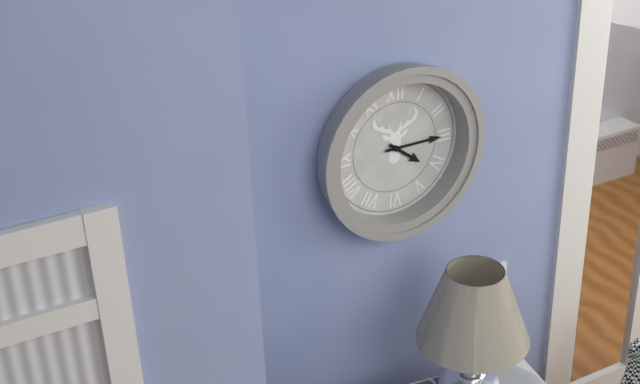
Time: {"hour": 4, "minute": 15}
